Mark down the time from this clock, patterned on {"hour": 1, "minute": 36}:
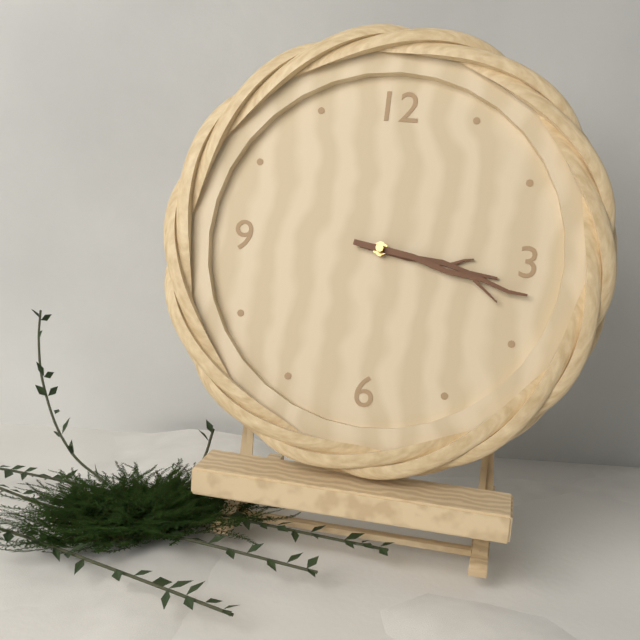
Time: {"hour": 3, "minute": 17}
